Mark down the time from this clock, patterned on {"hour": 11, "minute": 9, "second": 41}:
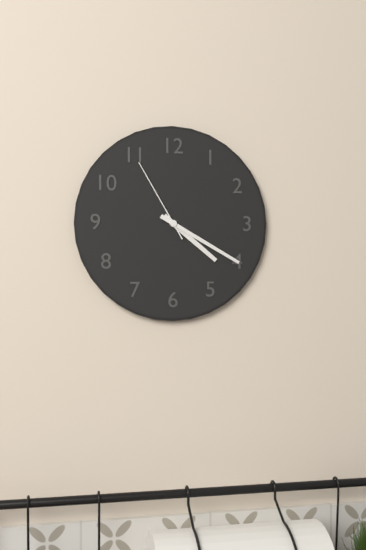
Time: {"hour": 4, "minute": 20, "second": 55}
